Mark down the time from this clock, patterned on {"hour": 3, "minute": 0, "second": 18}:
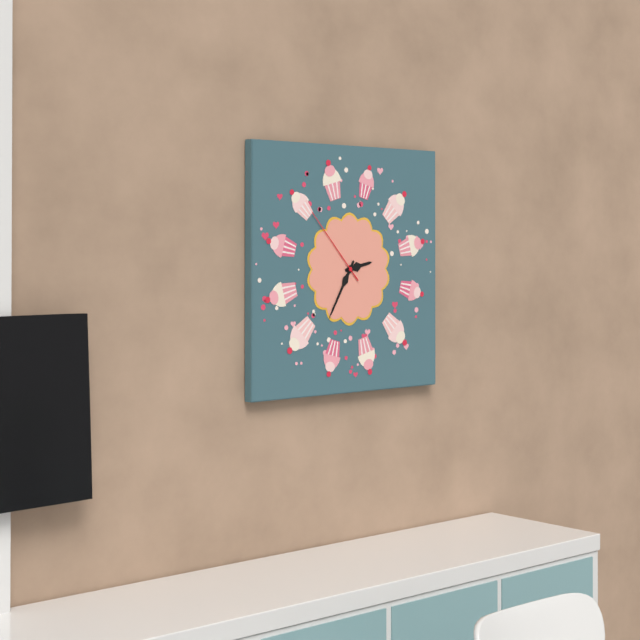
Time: {"hour": 2, "minute": 35, "second": 53}
